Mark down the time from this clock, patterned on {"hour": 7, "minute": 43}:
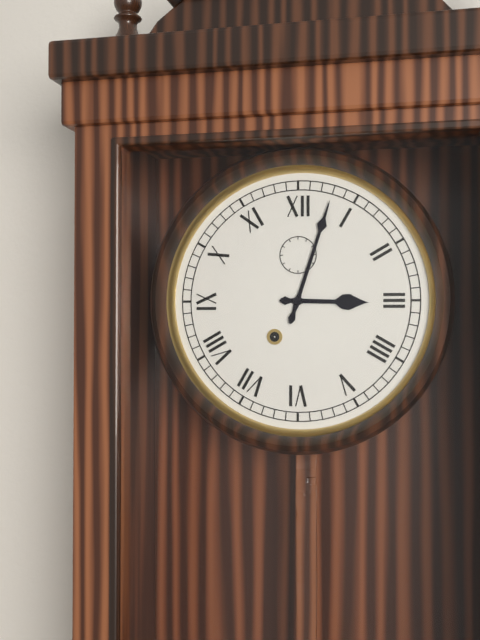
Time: {"hour": 3, "minute": 3}
